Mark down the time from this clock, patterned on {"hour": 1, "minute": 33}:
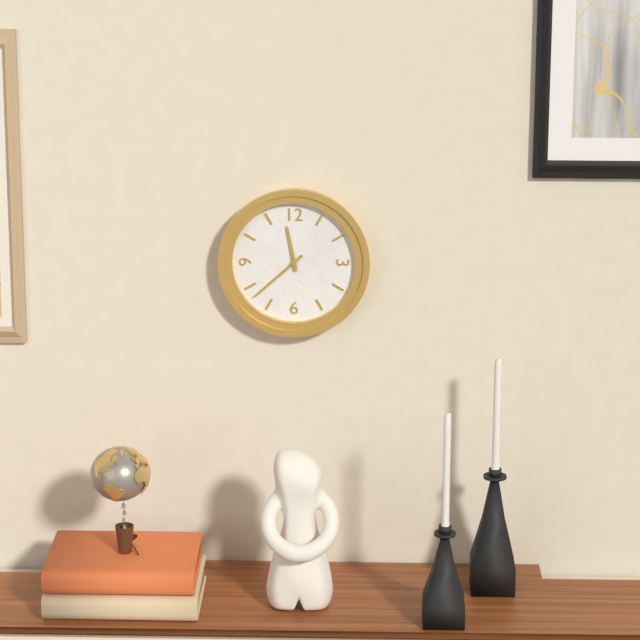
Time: {"hour": 11, "minute": 38}
